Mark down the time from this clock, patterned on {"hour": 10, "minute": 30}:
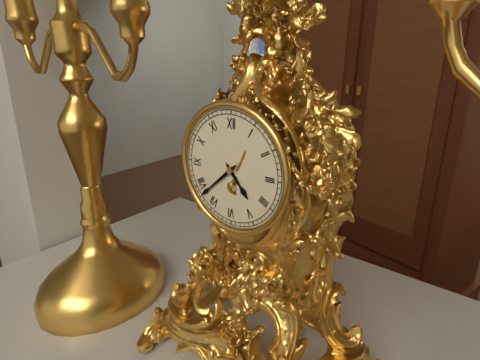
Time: {"hour": 4, "minute": 38}
